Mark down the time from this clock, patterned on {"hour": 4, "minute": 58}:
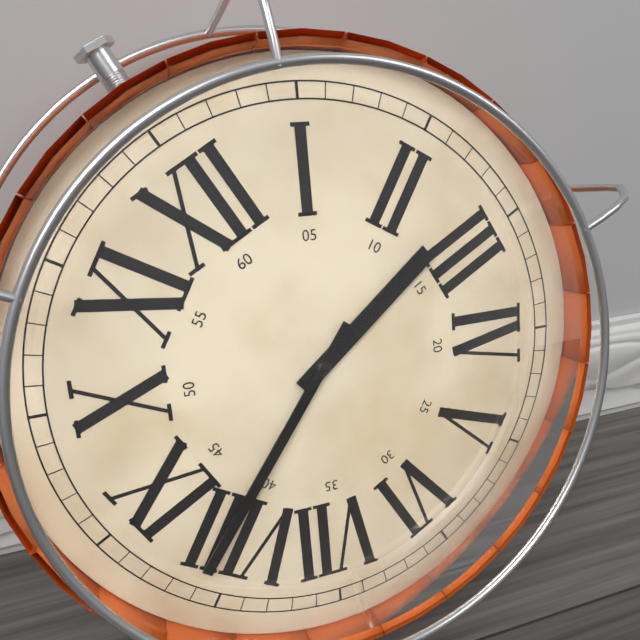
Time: {"hour": 2, "minute": 41}
